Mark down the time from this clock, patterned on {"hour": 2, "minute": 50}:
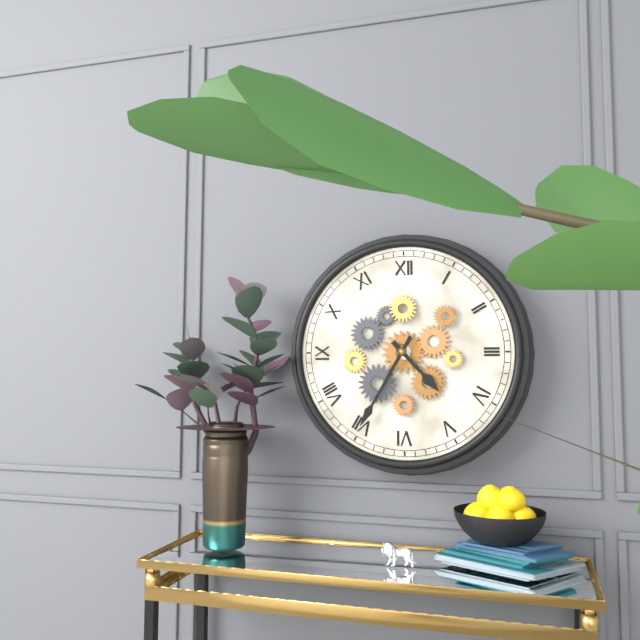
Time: {"hour": 4, "minute": 35}
